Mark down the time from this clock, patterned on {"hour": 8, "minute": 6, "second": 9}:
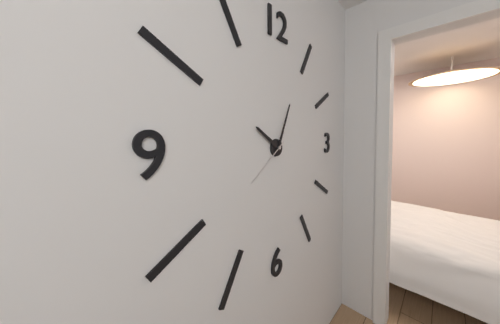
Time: {"hour": 10, "minute": 4, "second": 39}
